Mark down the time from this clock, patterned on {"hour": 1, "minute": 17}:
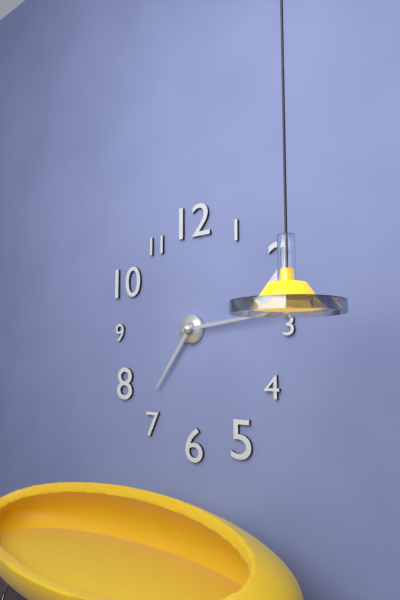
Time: {"hour": 7, "minute": 14}
